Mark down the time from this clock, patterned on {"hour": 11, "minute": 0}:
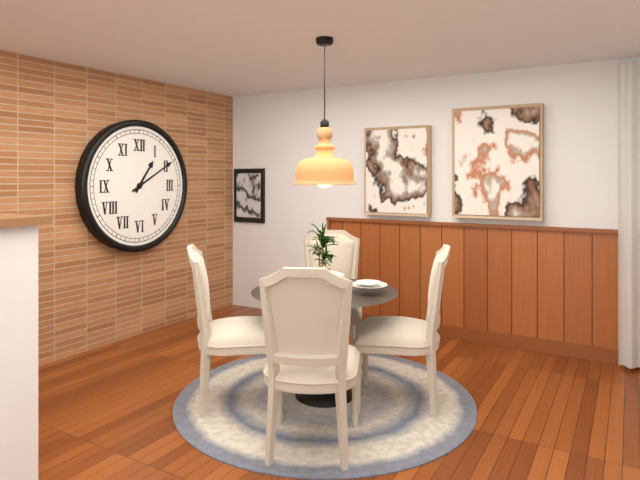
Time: {"hour": 1, "minute": 10}
